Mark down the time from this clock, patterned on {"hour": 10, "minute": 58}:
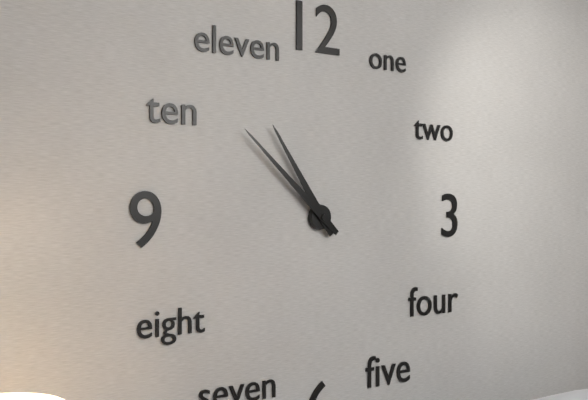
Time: {"hour": 10, "minute": 52}
